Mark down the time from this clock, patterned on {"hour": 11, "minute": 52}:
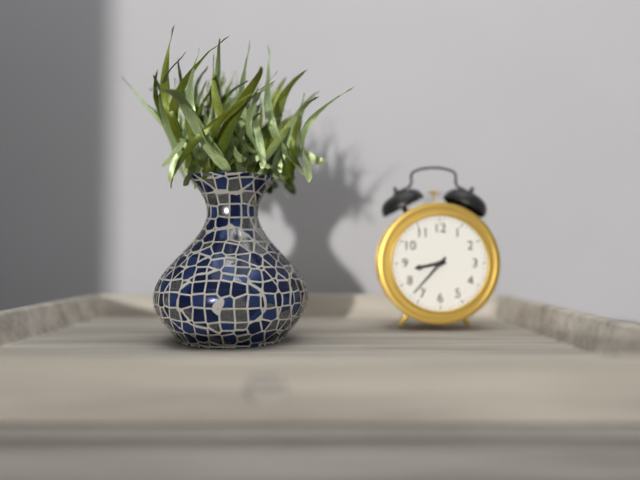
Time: {"hour": 8, "minute": 37}
